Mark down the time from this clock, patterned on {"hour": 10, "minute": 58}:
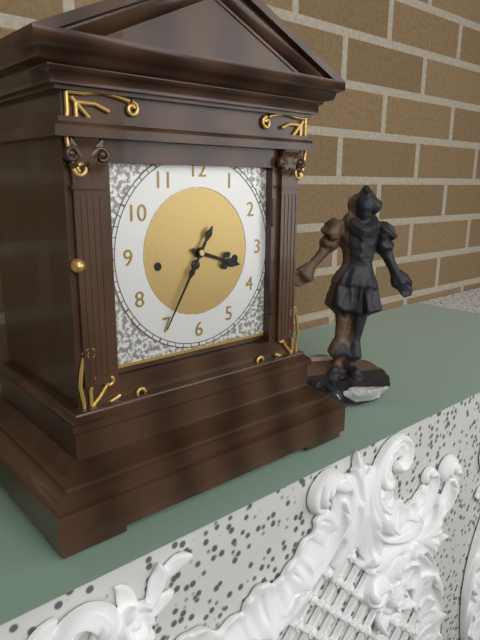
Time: {"hour": 3, "minute": 35}
